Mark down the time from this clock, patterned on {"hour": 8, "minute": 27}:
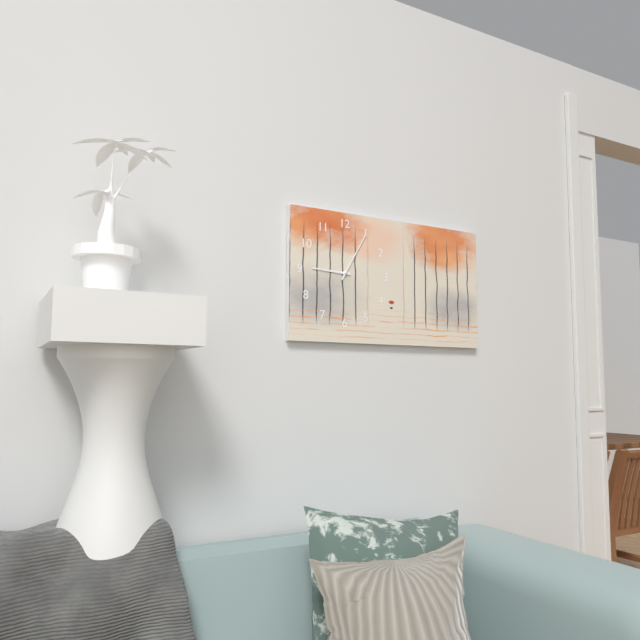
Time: {"hour": 9, "minute": 5}
